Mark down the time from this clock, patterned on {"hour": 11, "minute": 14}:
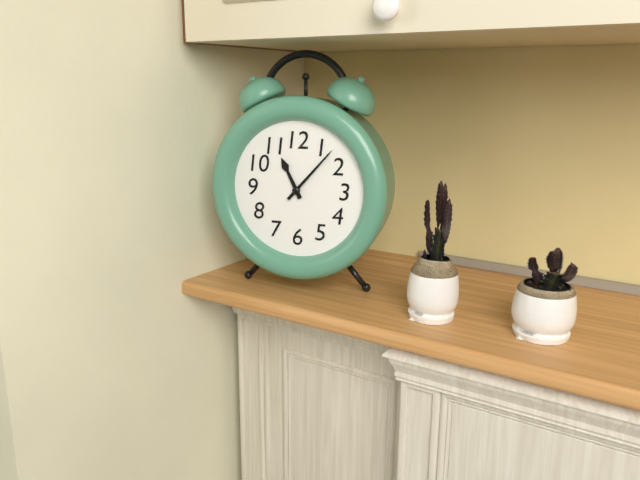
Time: {"hour": 11, "minute": 7}
